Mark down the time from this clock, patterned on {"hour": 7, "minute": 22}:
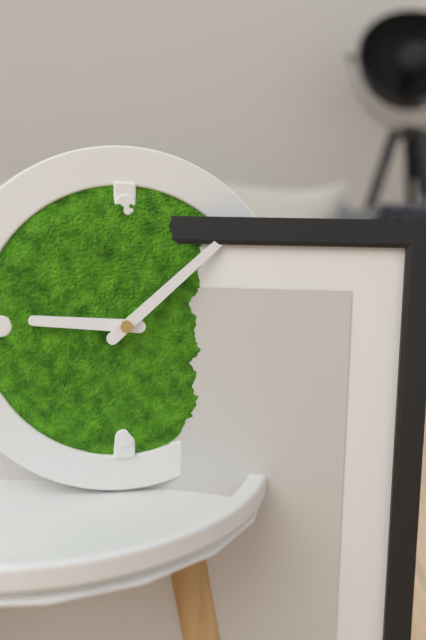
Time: {"hour": 9, "minute": 8}
